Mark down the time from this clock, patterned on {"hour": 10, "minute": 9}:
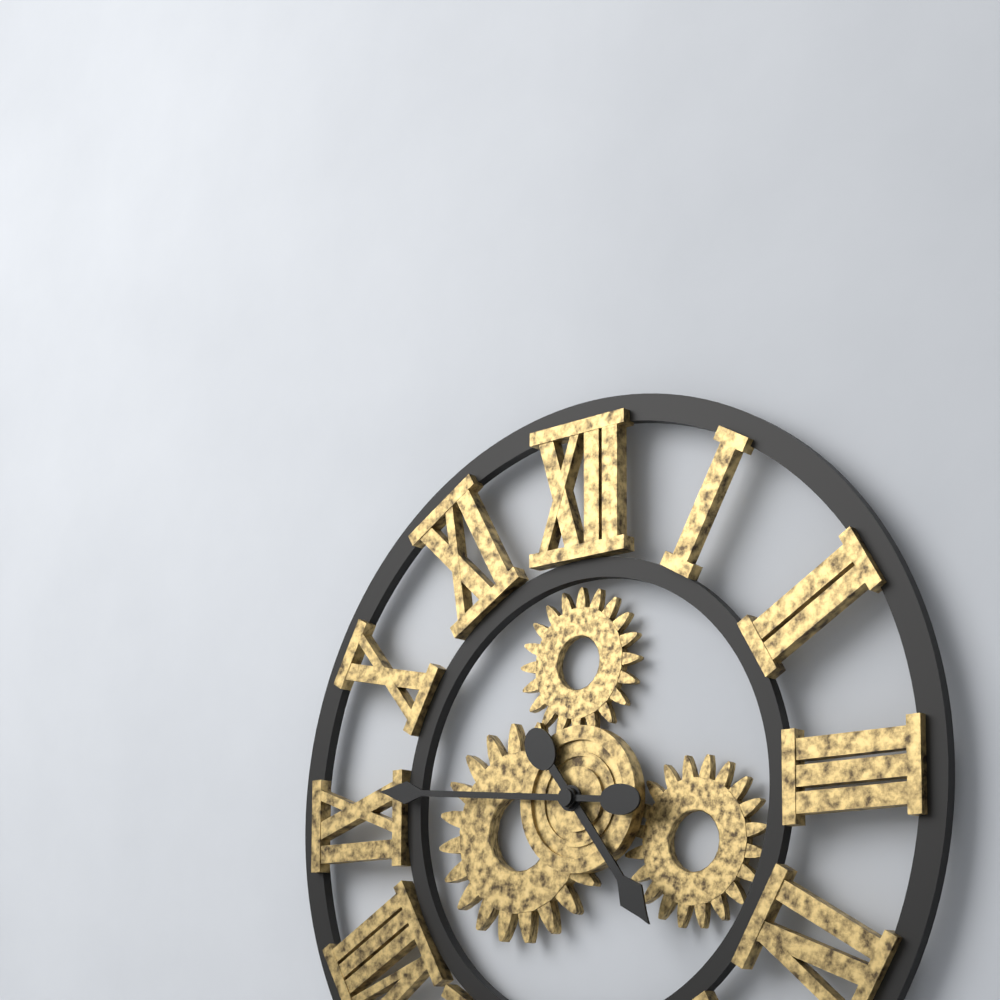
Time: {"hour": 4, "minute": 46}
